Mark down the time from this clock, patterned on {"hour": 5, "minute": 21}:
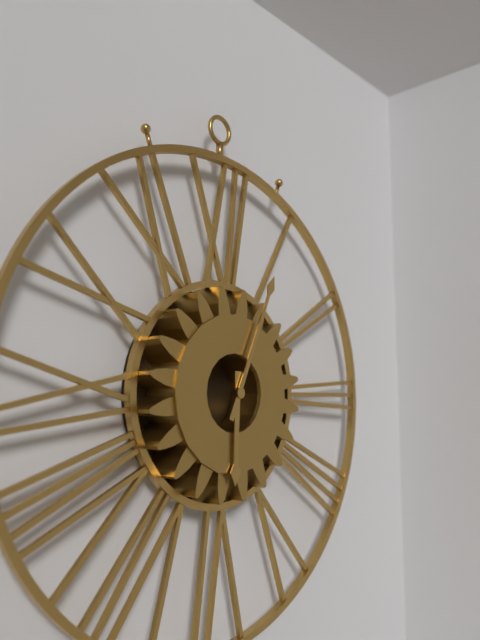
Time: {"hour": 6, "minute": 4}
